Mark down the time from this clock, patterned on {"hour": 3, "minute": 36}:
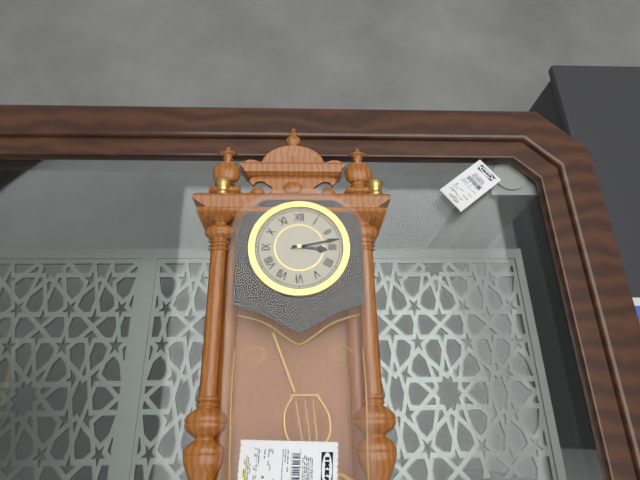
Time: {"hour": 3, "minute": 13}
